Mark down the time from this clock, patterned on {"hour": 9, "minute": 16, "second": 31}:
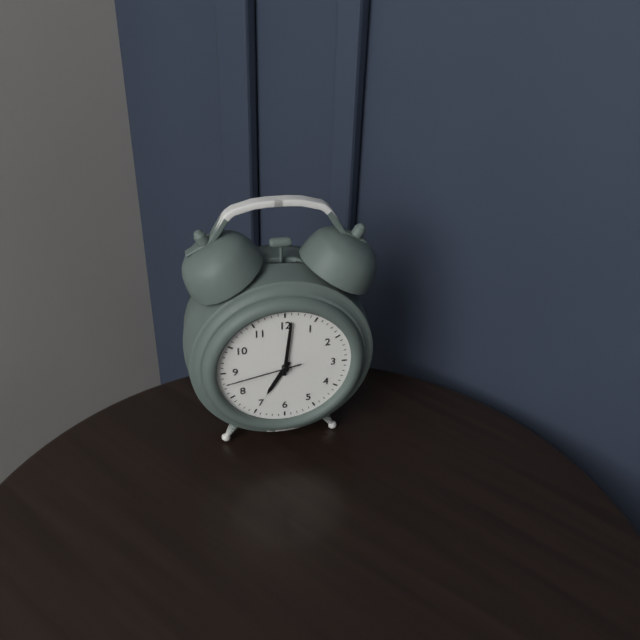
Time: {"hour": 7, "minute": 1, "second": 43}
